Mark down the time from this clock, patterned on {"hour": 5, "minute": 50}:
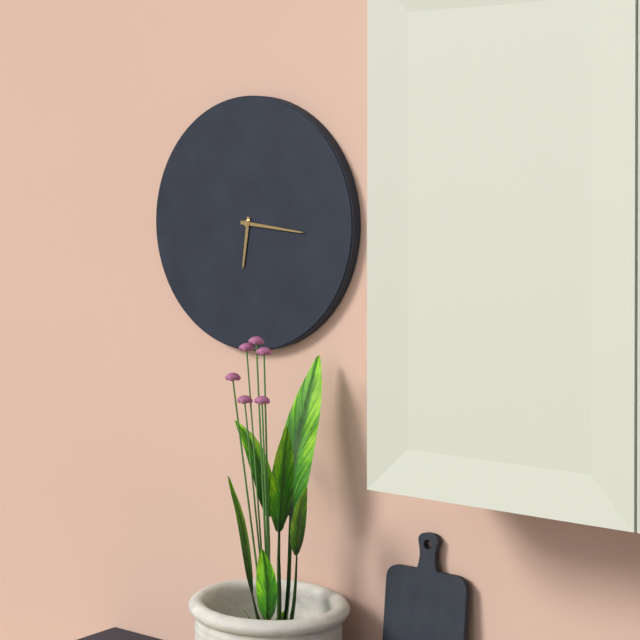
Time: {"hour": 6, "minute": 16}
